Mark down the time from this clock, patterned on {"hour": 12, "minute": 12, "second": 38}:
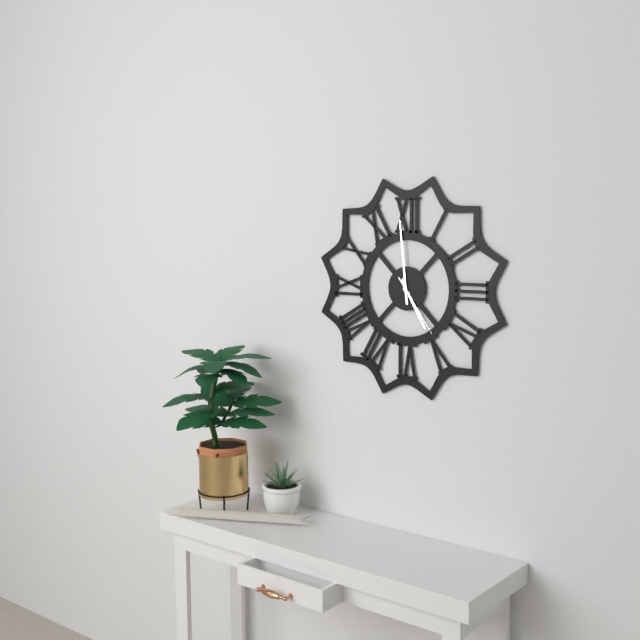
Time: {"hour": 4, "minute": 59, "second": 24}
